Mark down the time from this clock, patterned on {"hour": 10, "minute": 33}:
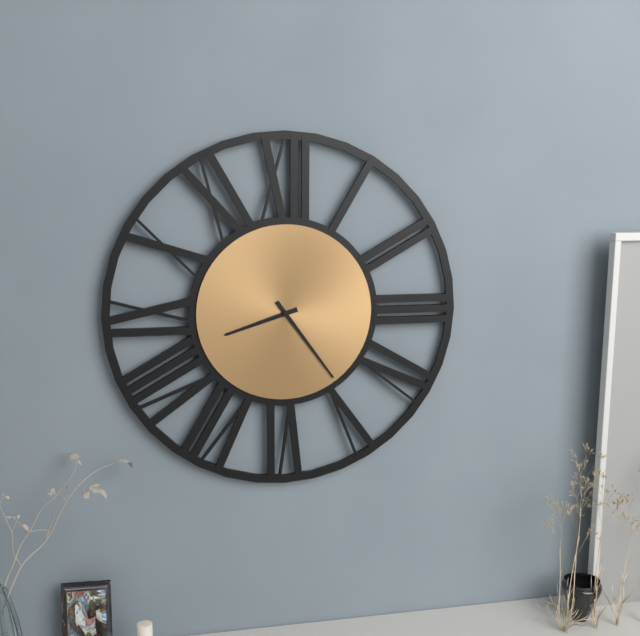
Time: {"hour": 8, "minute": 24}
